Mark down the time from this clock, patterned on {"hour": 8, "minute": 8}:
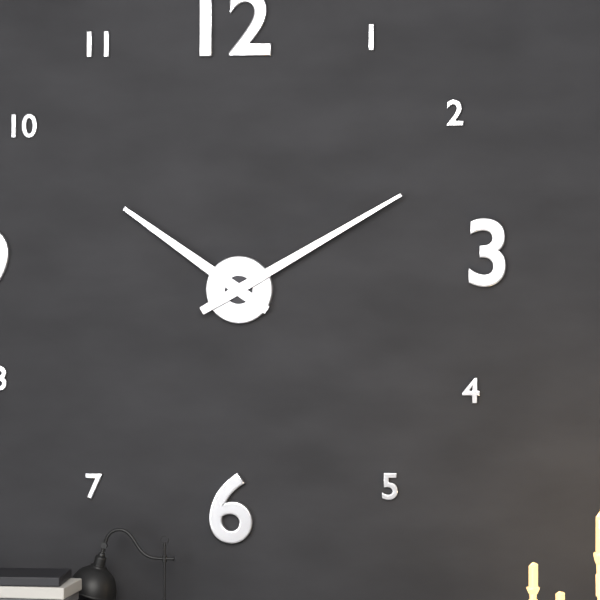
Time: {"hour": 10, "minute": 10}
